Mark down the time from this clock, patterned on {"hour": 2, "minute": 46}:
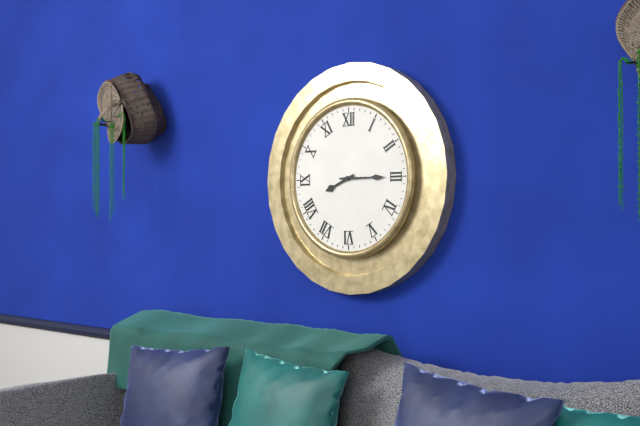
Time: {"hour": 8, "minute": 15}
